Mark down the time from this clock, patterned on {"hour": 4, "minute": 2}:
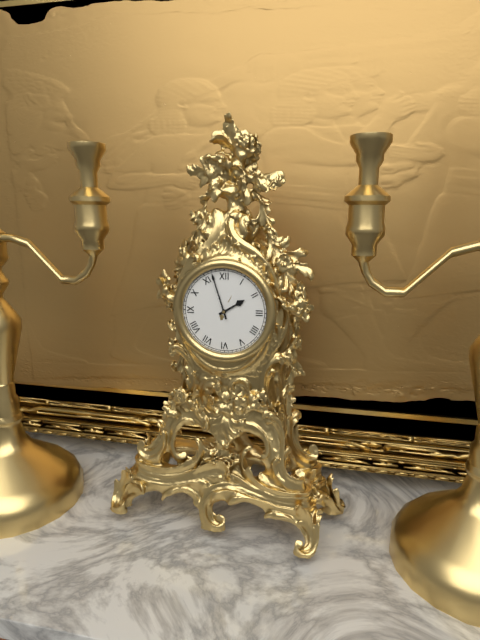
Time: {"hour": 1, "minute": 57}
